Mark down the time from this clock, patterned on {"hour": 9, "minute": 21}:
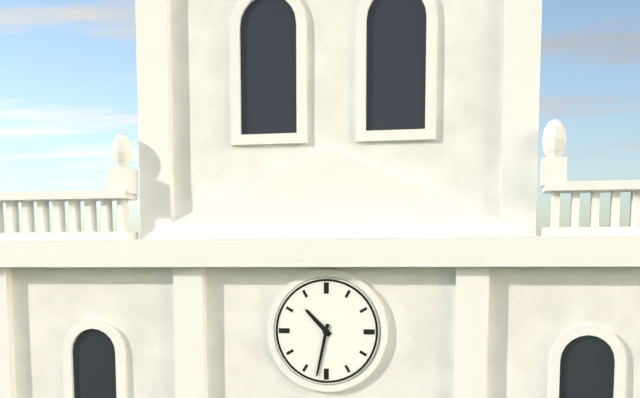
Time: {"hour": 10, "minute": 32}
